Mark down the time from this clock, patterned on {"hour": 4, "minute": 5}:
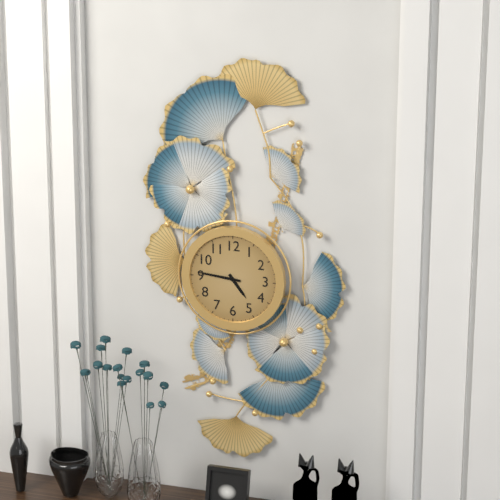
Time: {"hour": 4, "minute": 46}
